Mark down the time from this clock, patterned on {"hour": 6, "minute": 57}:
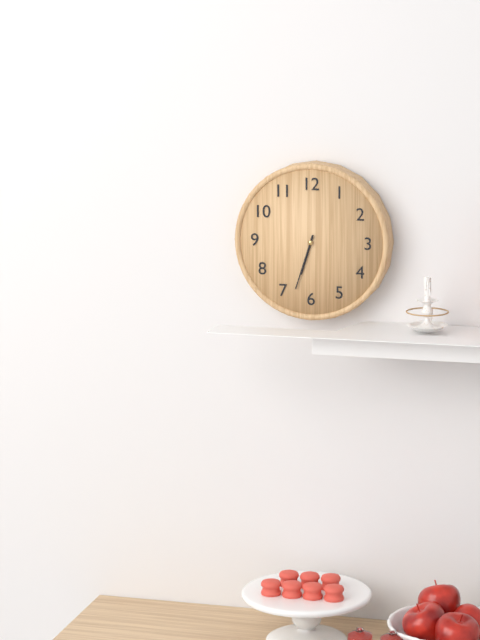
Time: {"hour": 6, "minute": 33}
